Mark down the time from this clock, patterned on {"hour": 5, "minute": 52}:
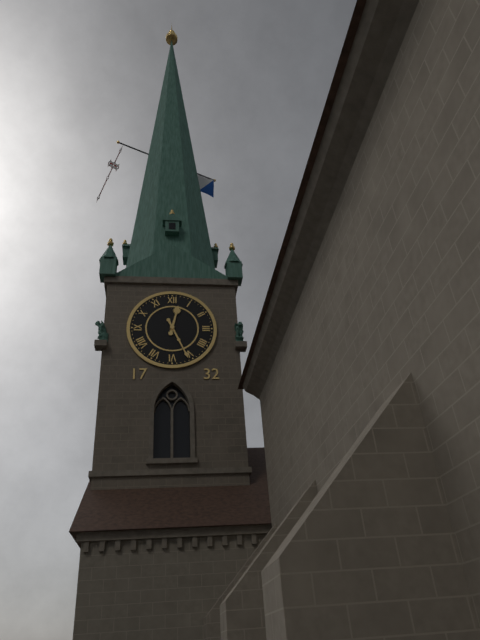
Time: {"hour": 12, "minute": 26}
